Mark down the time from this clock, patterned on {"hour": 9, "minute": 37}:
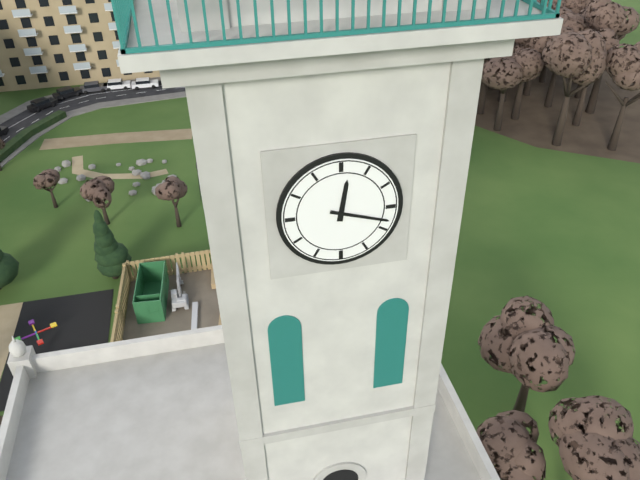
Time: {"hour": 12, "minute": 18}
